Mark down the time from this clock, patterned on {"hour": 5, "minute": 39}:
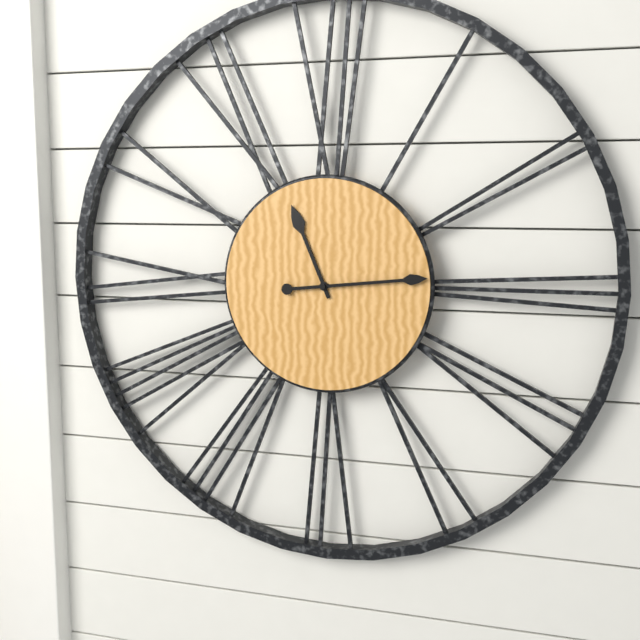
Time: {"hour": 11, "minute": 14}
